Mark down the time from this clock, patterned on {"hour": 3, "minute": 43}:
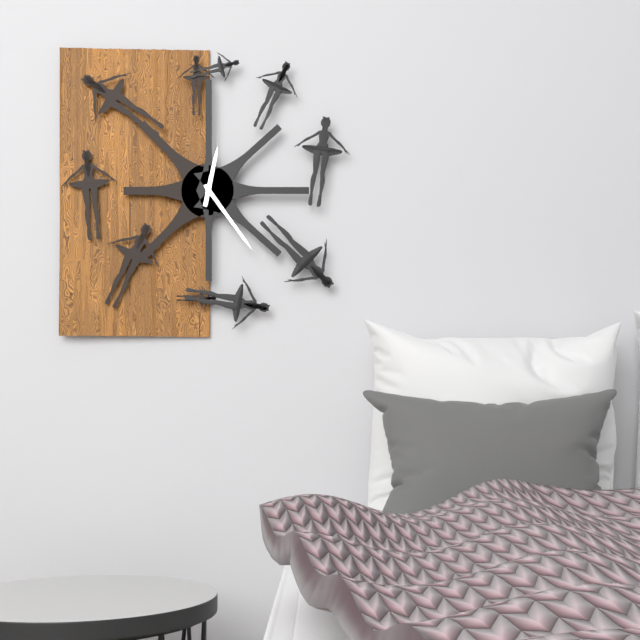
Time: {"hour": 12, "minute": 24}
